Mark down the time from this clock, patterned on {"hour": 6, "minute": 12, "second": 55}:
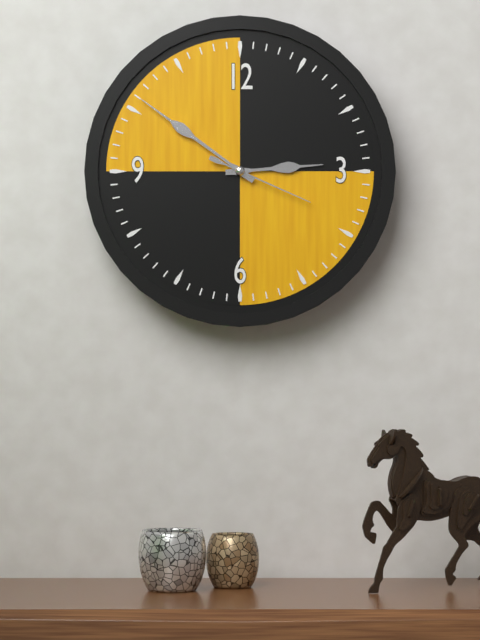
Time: {"hour": 2, "minute": 51, "second": 19}
